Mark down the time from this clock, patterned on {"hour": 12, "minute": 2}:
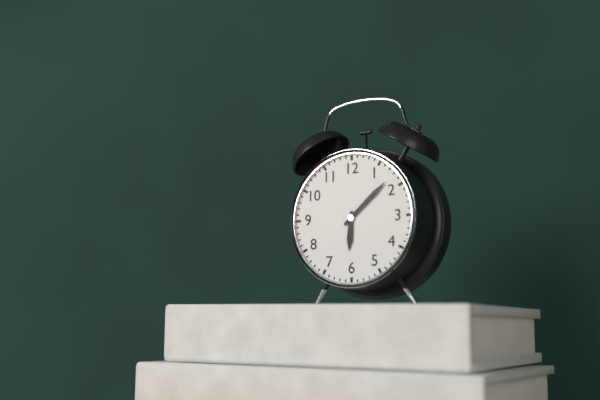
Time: {"hour": 6, "minute": 8}
